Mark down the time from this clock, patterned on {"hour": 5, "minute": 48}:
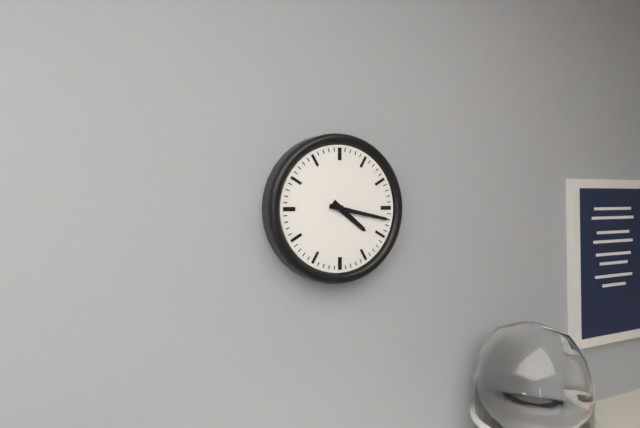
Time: {"hour": 4, "minute": 17}
